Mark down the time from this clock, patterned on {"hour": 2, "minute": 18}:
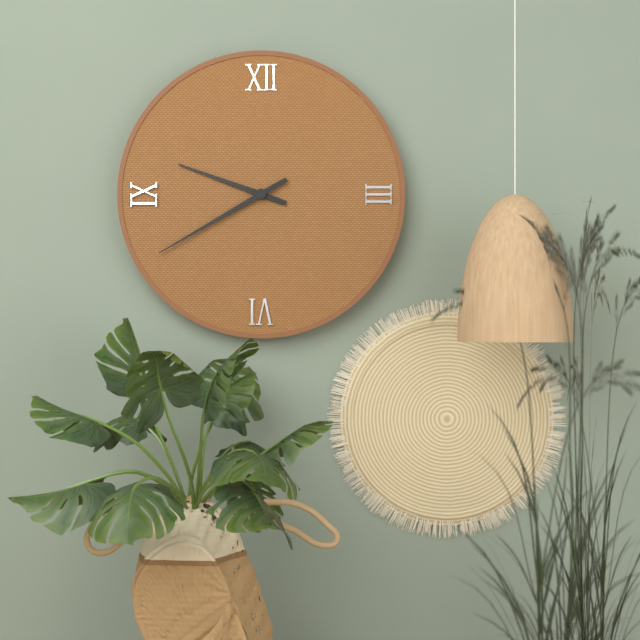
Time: {"hour": 9, "minute": 40}
